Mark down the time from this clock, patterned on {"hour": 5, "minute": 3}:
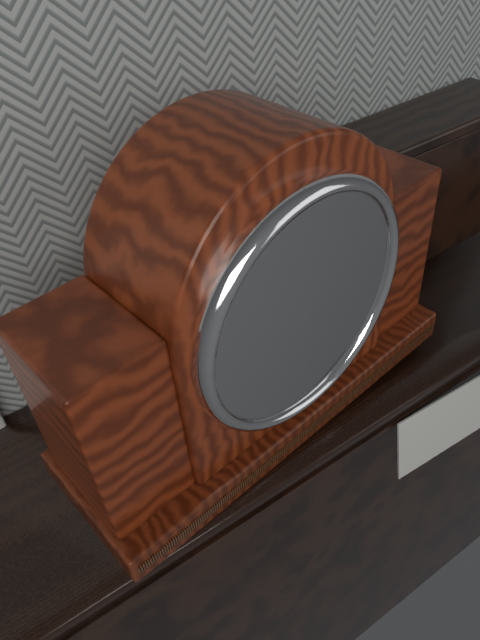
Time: {"hour": 5, "minute": 6}
